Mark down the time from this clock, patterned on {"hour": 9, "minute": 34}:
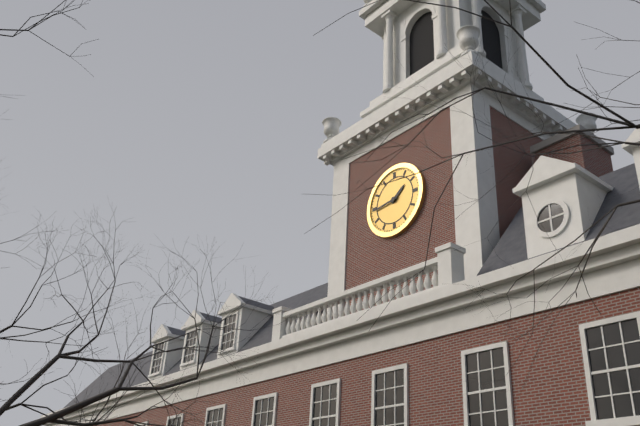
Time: {"hour": 1, "minute": 44}
